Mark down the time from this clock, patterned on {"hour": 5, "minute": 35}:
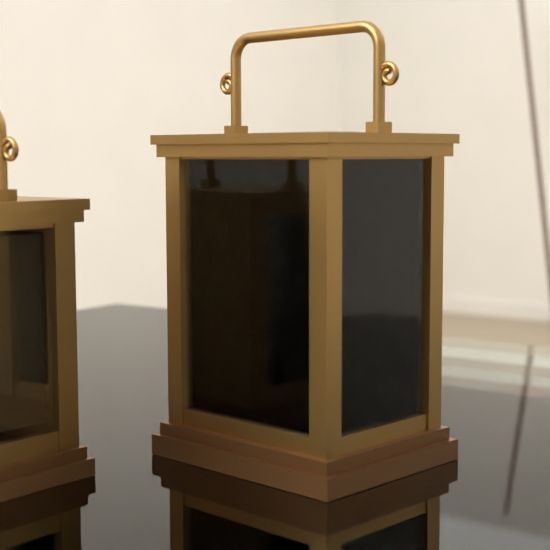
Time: {"hour": 3, "minute": 11}
